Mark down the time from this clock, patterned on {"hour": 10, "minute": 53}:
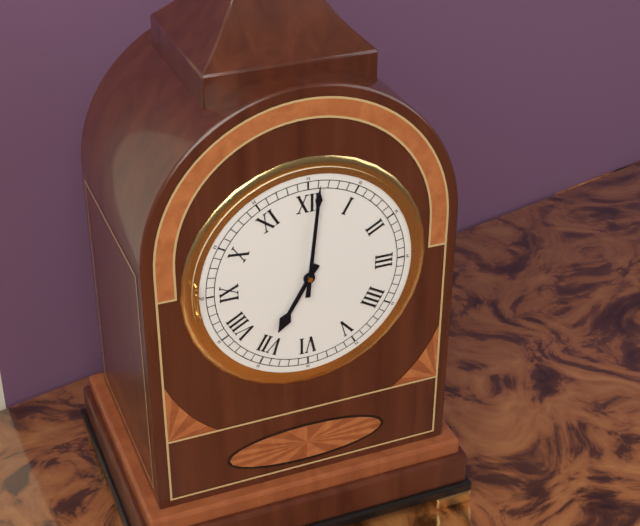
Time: {"hour": 7, "minute": 1}
